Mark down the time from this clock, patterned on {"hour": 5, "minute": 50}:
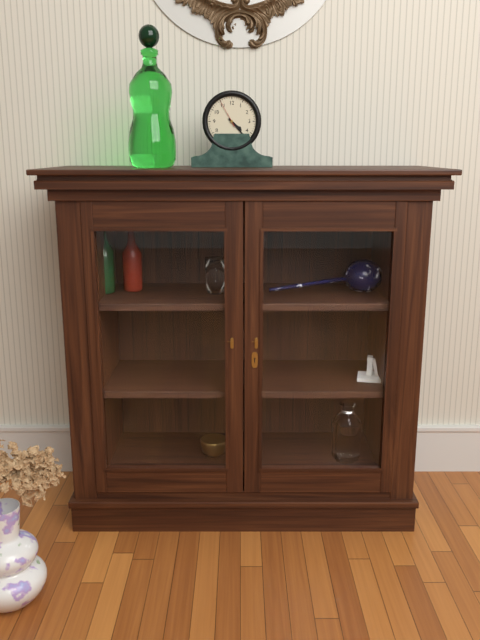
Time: {"hour": 4, "minute": 23}
